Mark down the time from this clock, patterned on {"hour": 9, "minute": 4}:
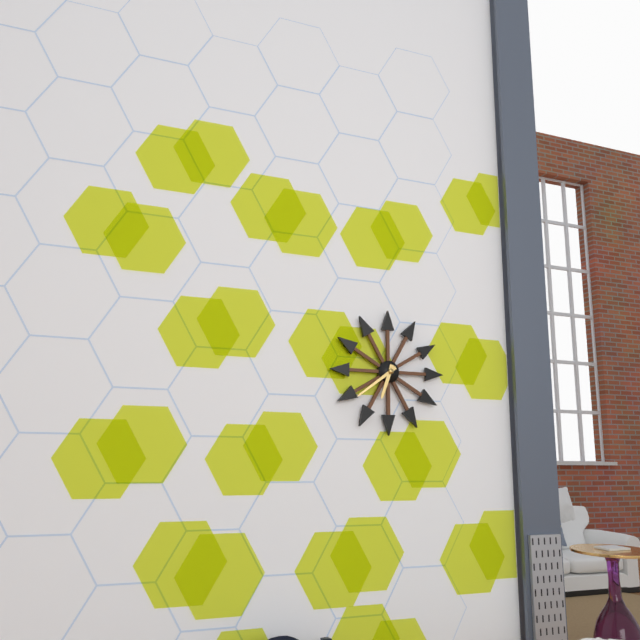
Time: {"hour": 6, "minute": 39}
